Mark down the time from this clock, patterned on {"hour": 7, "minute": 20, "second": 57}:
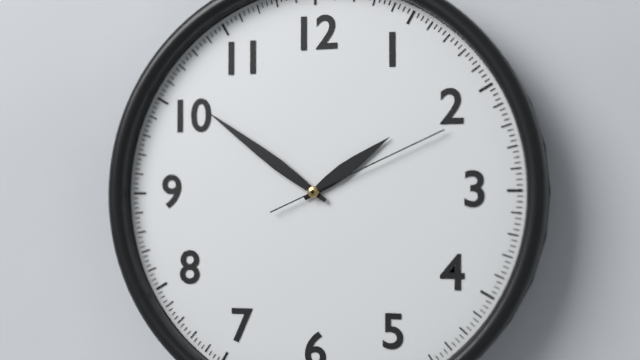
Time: {"hour": 1, "minute": 51, "second": 11}
